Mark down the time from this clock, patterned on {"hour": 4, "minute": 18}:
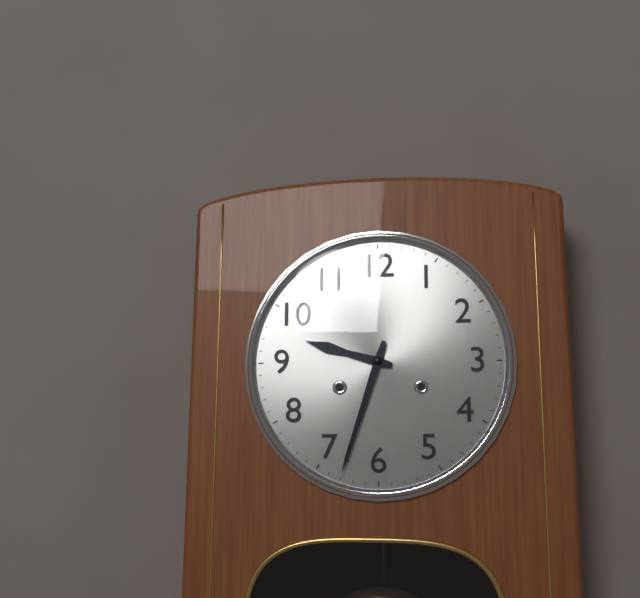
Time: {"hour": 9, "minute": 33}
